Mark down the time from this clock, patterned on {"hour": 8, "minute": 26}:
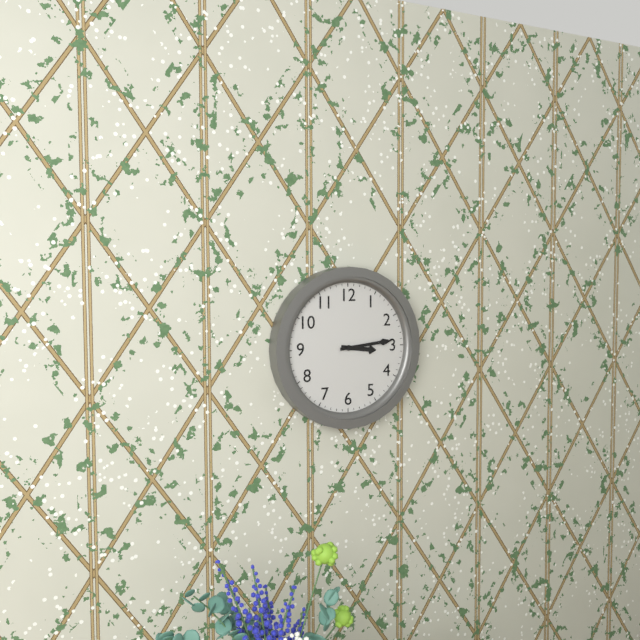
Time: {"hour": 3, "minute": 14}
